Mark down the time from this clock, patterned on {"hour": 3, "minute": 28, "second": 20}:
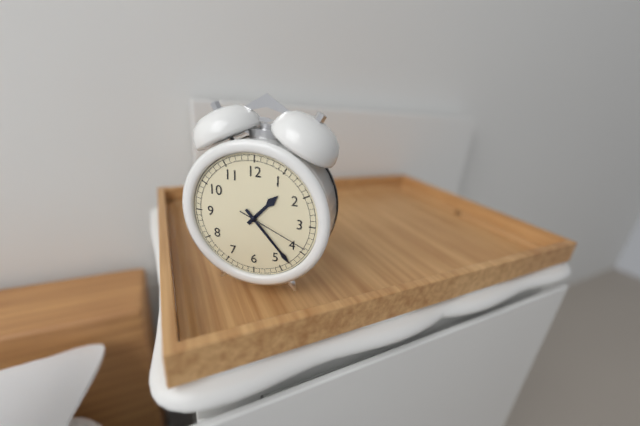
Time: {"hour": 1, "minute": 23, "second": 19}
